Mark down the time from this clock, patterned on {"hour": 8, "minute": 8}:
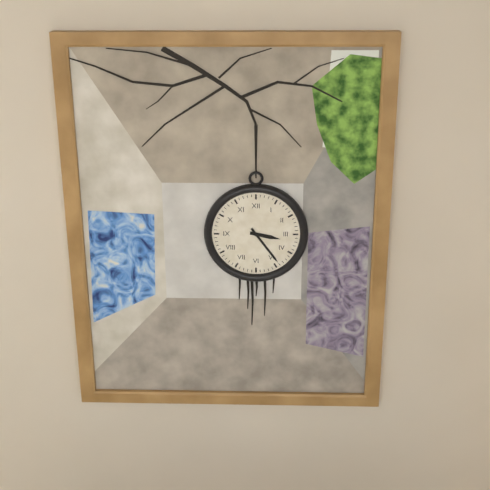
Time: {"hour": 3, "minute": 24}
